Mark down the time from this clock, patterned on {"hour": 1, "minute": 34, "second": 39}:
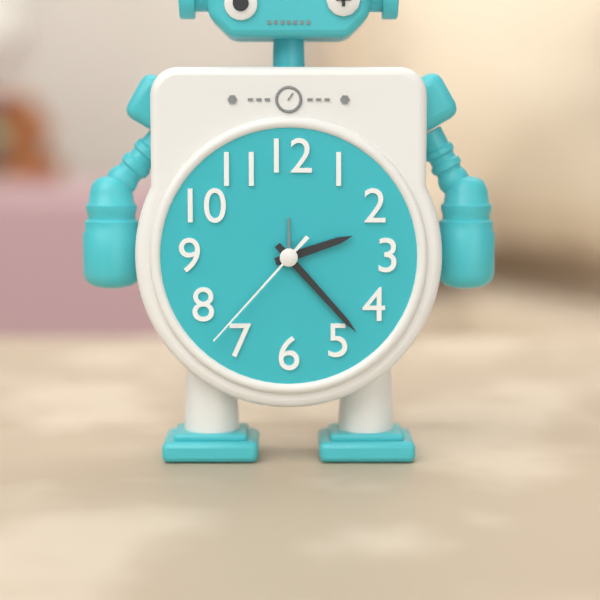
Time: {"hour": 2, "minute": 23, "second": 37}
